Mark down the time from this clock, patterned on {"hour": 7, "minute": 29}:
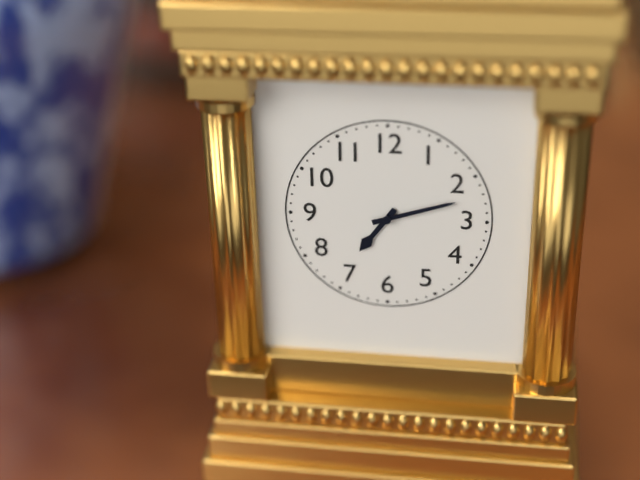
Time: {"hour": 7, "minute": 12}
